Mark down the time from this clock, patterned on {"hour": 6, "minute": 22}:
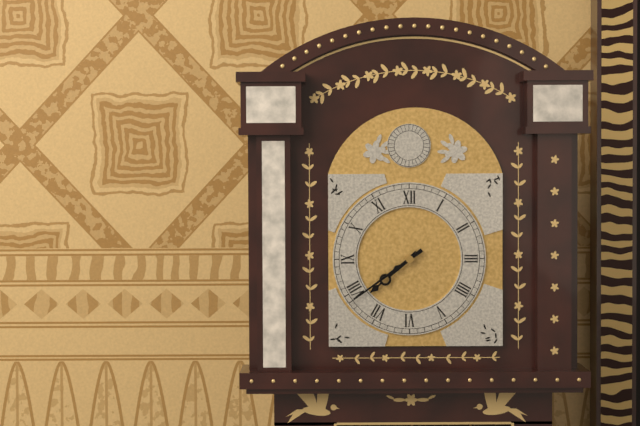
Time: {"hour": 7, "minute": 39}
